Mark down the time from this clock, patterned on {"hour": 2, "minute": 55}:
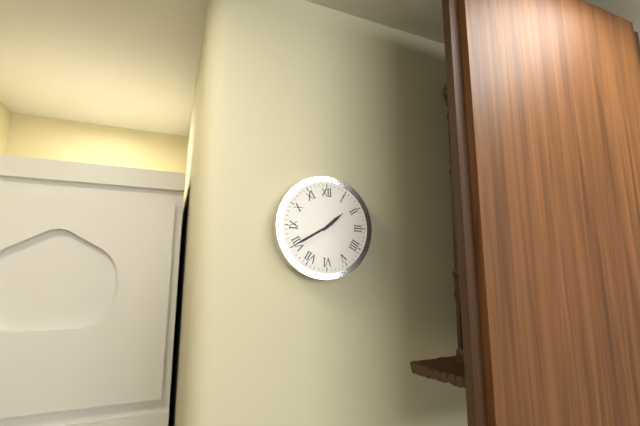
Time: {"hour": 1, "minute": 40}
